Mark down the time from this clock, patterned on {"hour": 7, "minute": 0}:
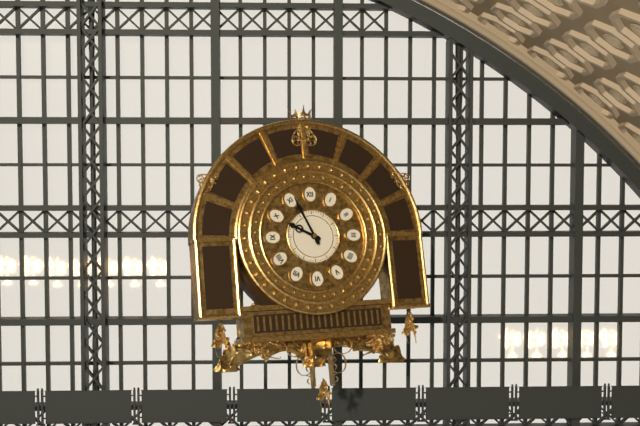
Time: {"hour": 9, "minute": 56}
